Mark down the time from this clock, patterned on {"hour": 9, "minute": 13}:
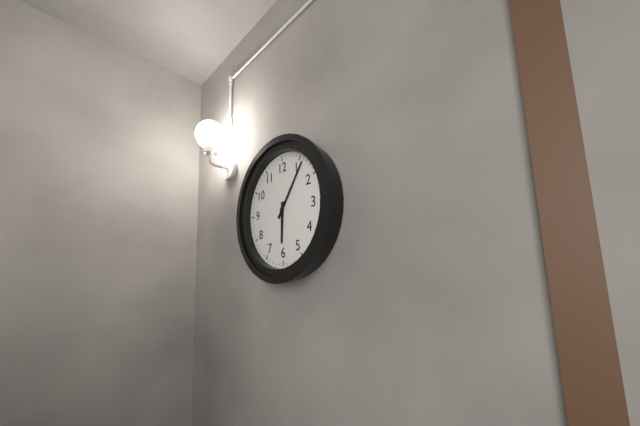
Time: {"hour": 6, "minute": 6}
